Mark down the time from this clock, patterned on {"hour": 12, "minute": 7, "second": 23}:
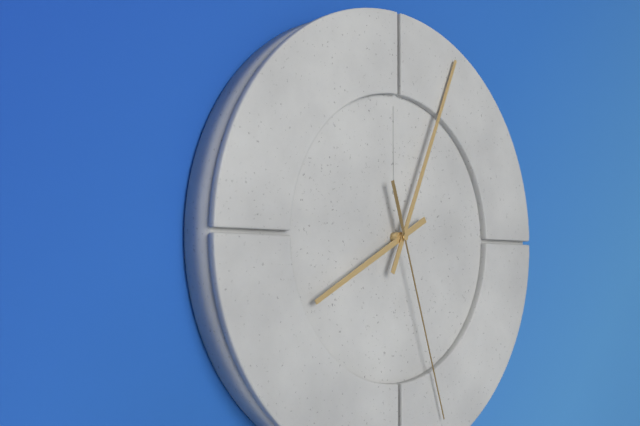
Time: {"hour": 8, "minute": 4, "second": 27}
